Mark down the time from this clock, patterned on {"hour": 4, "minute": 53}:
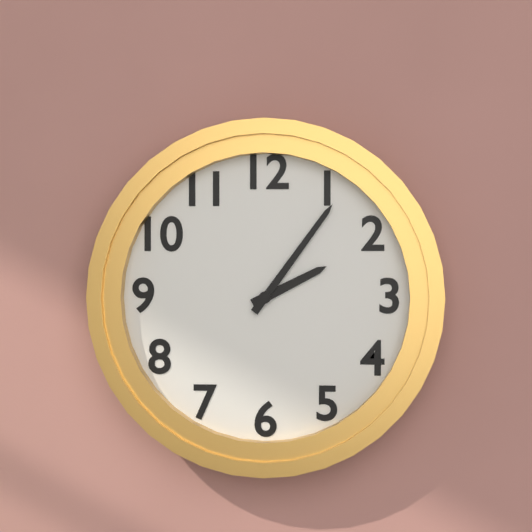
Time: {"hour": 2, "minute": 6}
